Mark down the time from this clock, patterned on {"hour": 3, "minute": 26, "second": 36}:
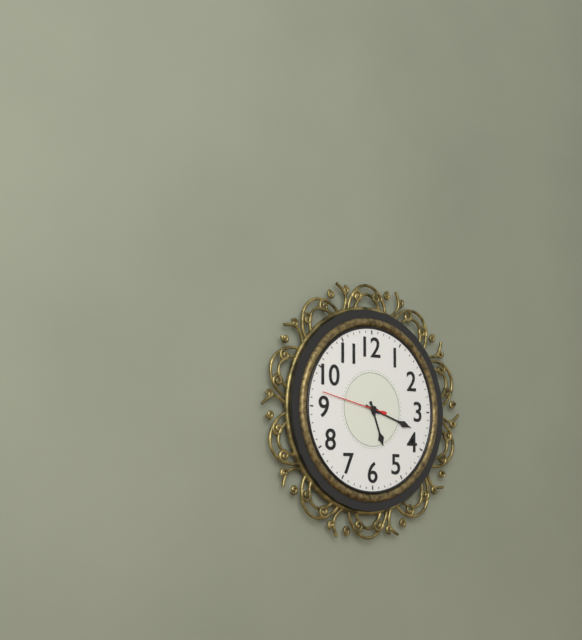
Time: {"hour": 5, "minute": 18, "second": 47}
